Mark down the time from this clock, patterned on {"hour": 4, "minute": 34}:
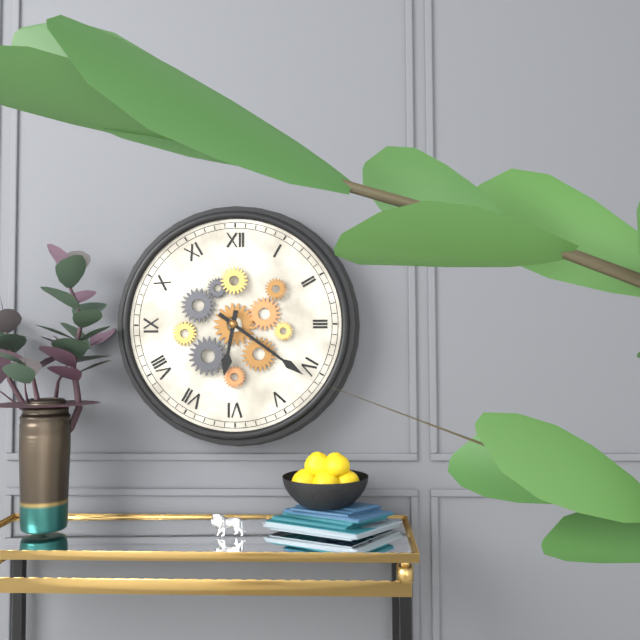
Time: {"hour": 6, "minute": 21}
